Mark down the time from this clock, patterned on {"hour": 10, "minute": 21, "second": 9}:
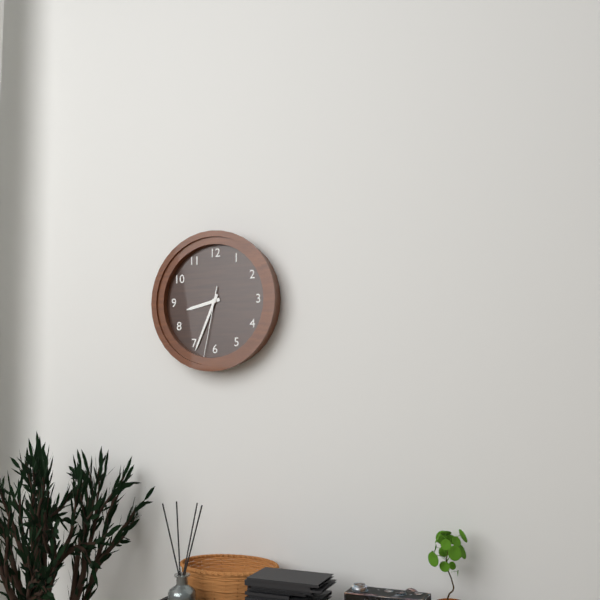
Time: {"hour": 8, "minute": 34, "second": 32}
